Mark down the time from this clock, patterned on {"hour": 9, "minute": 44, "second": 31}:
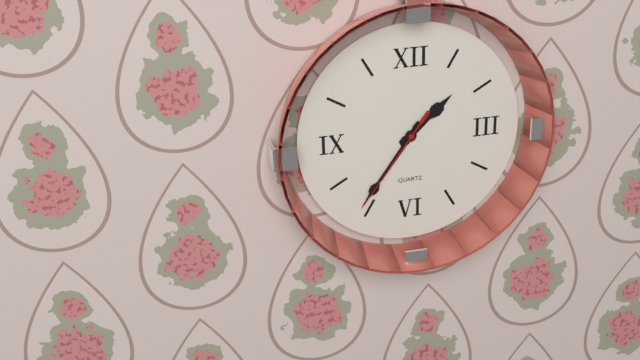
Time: {"hour": 1, "minute": 36, "second": 36}
